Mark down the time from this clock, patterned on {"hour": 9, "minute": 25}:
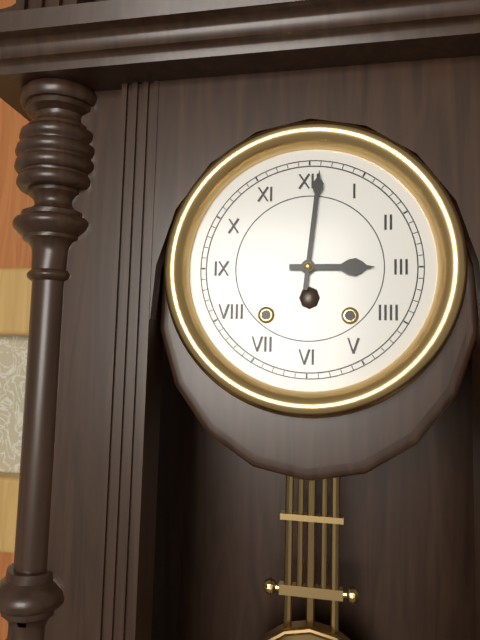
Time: {"hour": 3, "minute": 1}
